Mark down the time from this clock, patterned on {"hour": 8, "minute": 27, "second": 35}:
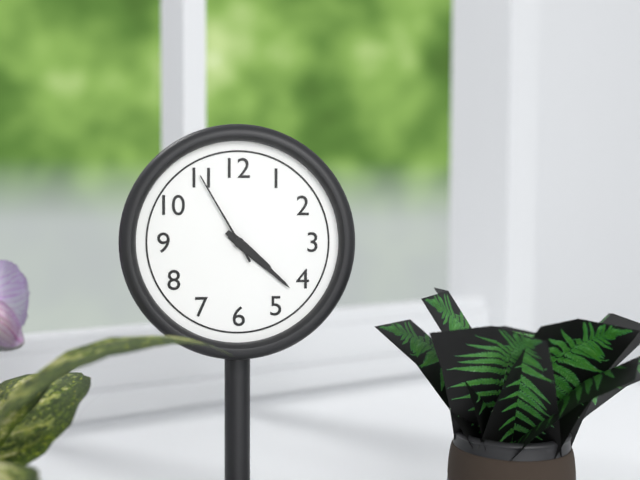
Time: {"hour": 4, "minute": 22, "second": 55}
